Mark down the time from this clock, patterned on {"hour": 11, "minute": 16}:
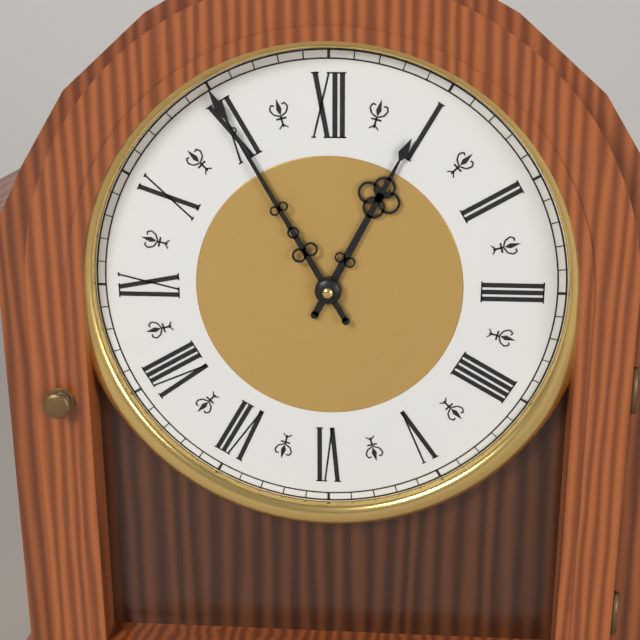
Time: {"hour": 12, "minute": 55}
